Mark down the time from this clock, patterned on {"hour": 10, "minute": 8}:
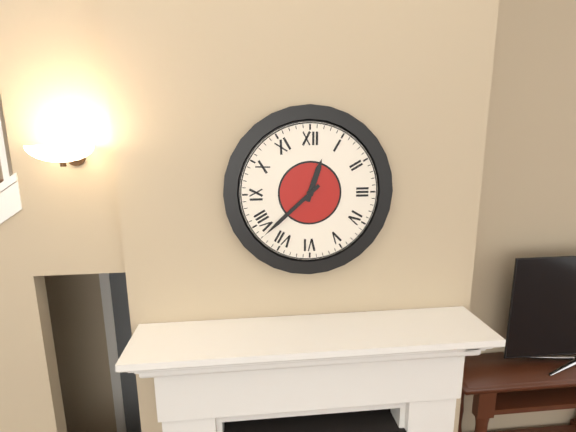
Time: {"hour": 12, "minute": 38}
